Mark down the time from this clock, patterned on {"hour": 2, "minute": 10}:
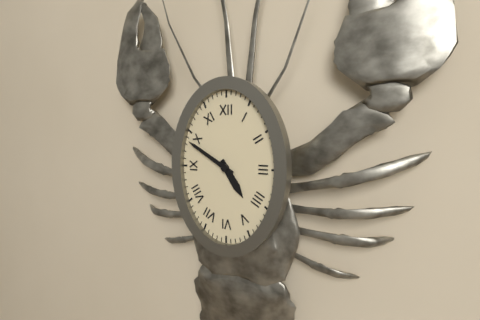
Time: {"hour": 4, "minute": 50}
